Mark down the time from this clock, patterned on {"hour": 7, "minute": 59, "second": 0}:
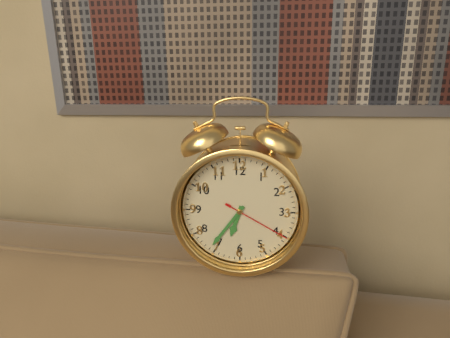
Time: {"hour": 6, "minute": 36, "second": 20}
